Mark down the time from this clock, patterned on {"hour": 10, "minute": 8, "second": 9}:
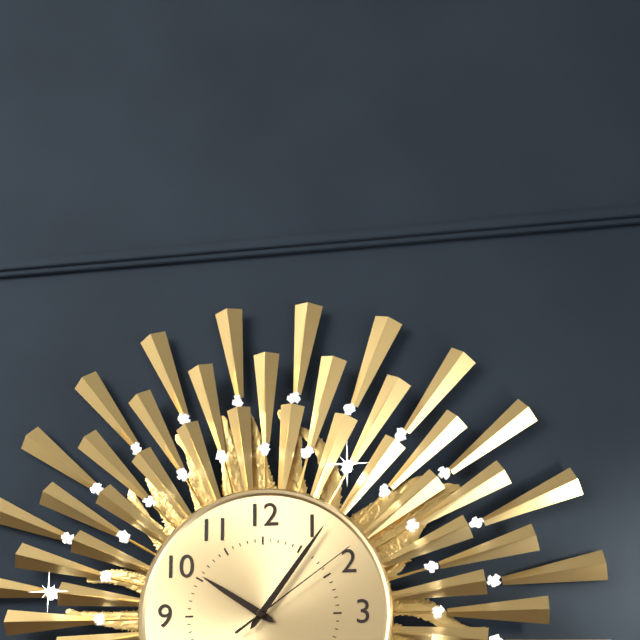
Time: {"hour": 10, "minute": 6, "second": 9}
